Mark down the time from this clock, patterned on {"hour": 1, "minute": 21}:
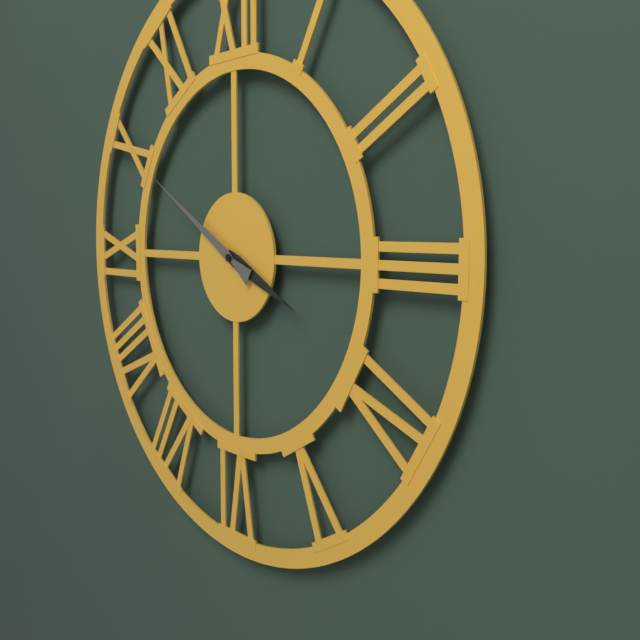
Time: {"hour": 3, "minute": 50}
